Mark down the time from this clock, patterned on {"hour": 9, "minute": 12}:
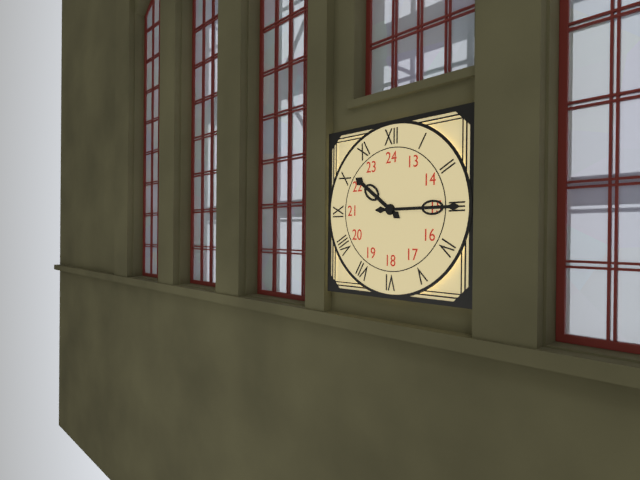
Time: {"hour": 10, "minute": 15}
